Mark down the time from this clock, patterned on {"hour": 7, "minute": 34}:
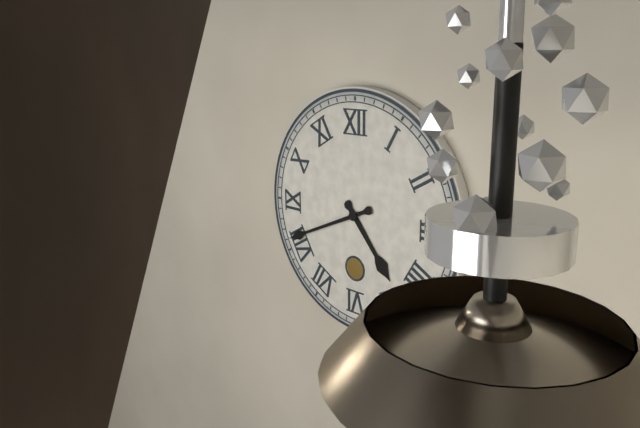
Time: {"hour": 4, "minute": 41}
